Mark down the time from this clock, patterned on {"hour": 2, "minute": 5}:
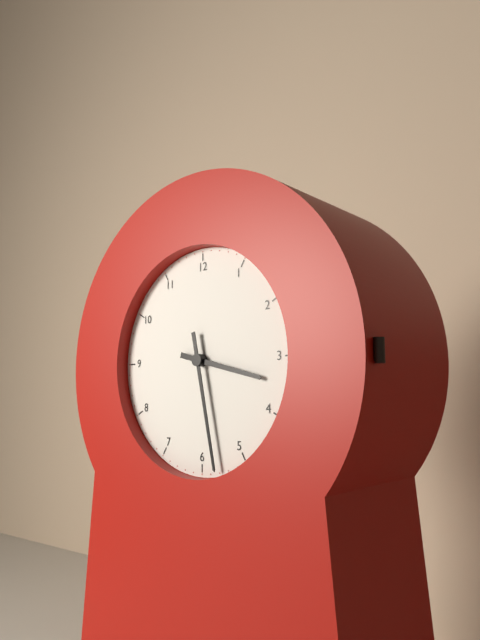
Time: {"hour": 3, "minute": 28}
